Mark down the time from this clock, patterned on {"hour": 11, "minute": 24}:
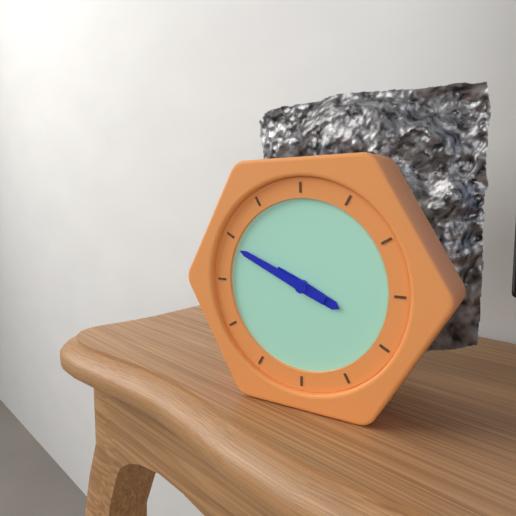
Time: {"hour": 3, "minute": 49}
